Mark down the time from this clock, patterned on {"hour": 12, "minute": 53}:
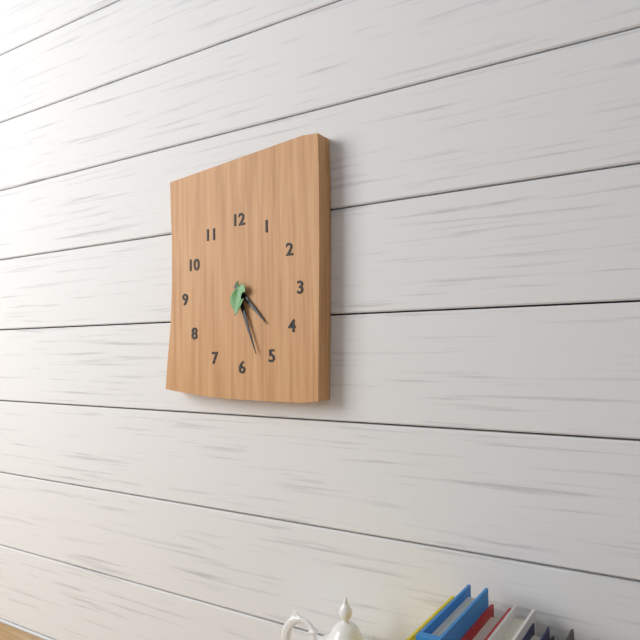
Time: {"hour": 4, "minute": 27}
